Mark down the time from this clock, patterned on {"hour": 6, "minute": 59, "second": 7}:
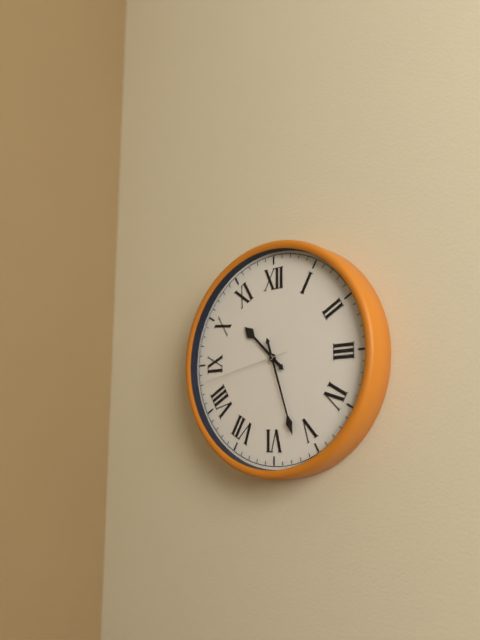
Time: {"hour": 10, "minute": 27, "second": 43}
